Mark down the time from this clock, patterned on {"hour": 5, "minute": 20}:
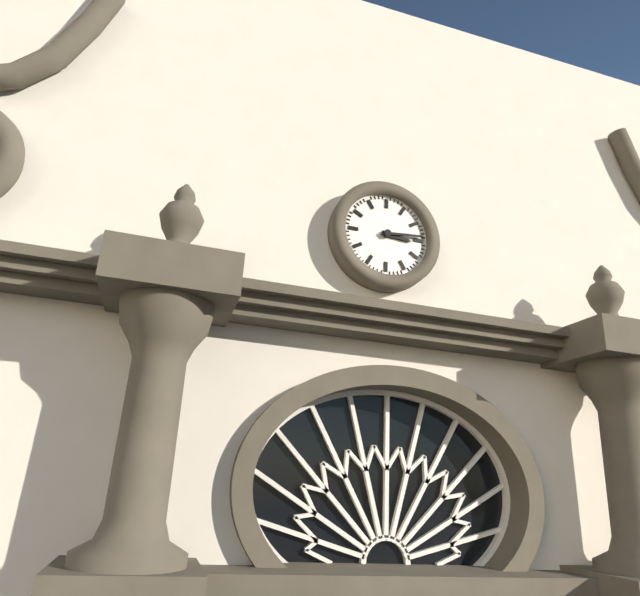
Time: {"hour": 3, "minute": 14}
